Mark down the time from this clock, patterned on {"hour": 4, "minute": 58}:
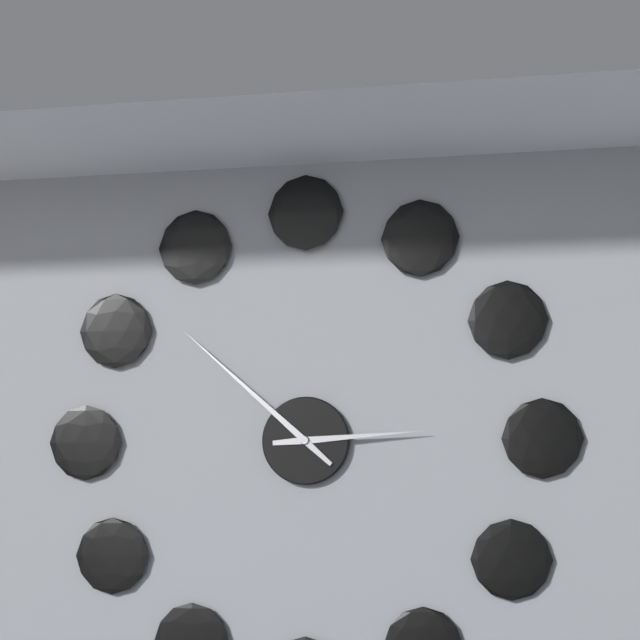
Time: {"hour": 2, "minute": 52}
